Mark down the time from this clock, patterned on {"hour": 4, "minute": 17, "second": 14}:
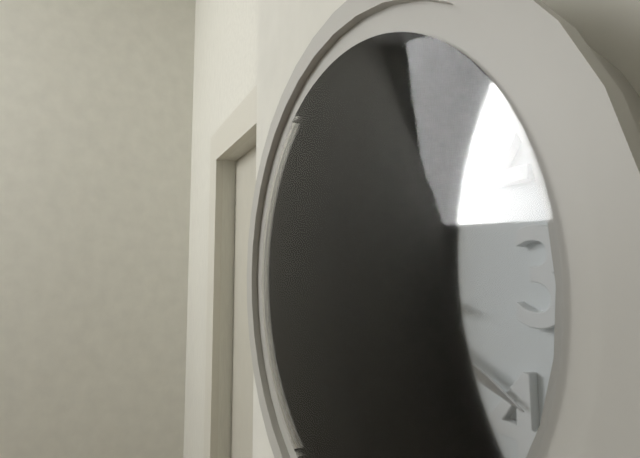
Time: {"hour": 3, "minute": 19, "second": 7}
